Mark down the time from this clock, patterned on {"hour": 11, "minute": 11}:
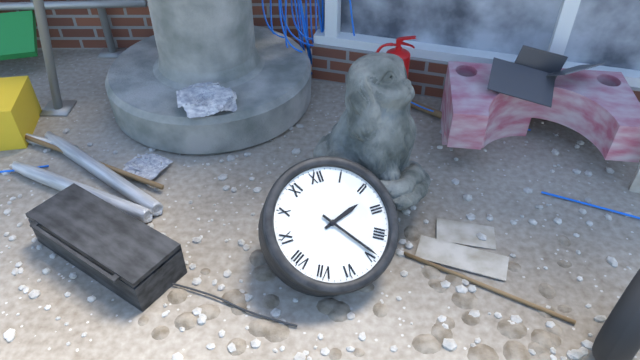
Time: {"hour": 2, "minute": 24}
